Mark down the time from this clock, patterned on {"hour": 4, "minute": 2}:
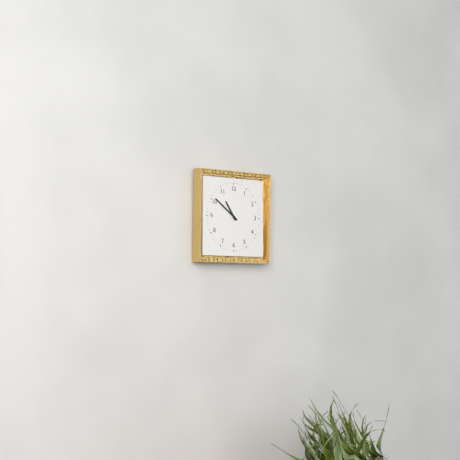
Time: {"hour": 10, "minute": 51}
